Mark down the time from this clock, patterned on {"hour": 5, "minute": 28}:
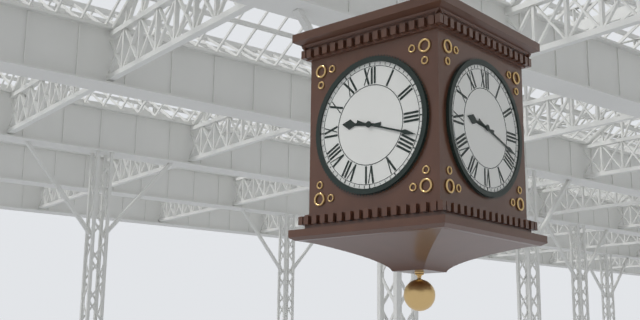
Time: {"hour": 9, "minute": 18}
